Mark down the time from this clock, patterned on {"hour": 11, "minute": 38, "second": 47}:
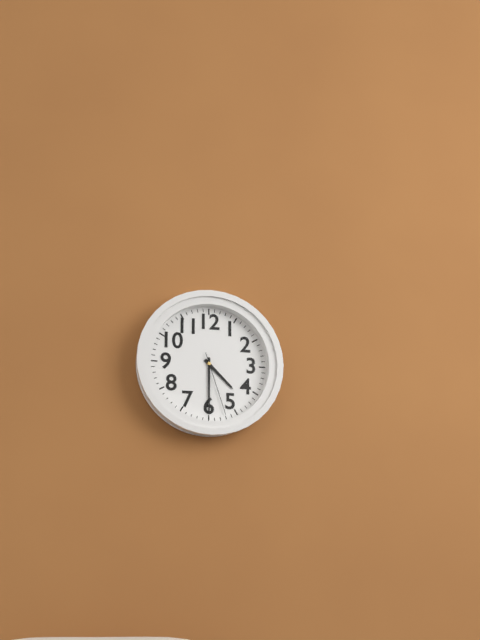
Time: {"hour": 4, "minute": 30, "second": 27}
